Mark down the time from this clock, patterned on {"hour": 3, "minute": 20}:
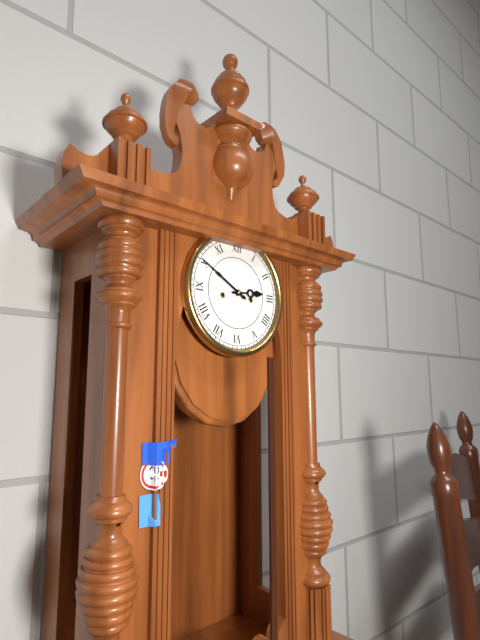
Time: {"hour": 2, "minute": 50}
